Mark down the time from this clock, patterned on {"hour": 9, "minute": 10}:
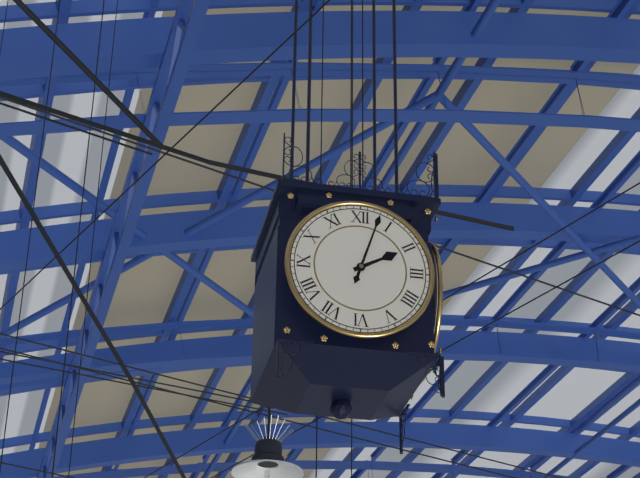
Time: {"hour": 2, "minute": 3}
